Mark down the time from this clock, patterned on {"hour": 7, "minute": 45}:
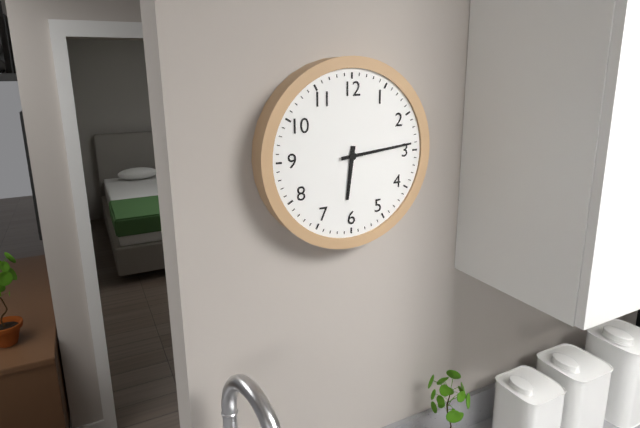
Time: {"hour": 6, "minute": 14}
